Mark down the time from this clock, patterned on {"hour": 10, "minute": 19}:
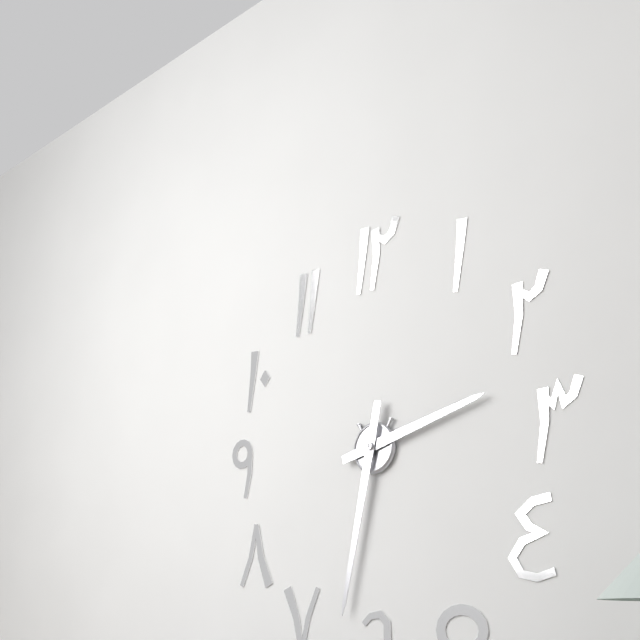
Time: {"hour": 2, "minute": 32}
